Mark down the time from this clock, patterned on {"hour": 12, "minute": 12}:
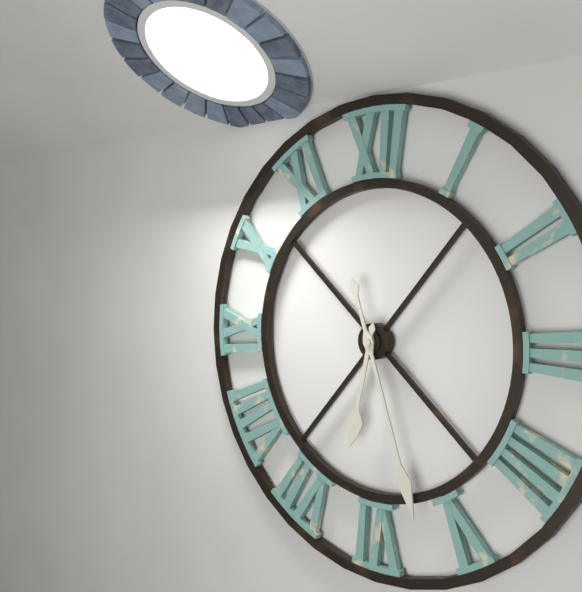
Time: {"hour": 6, "minute": 27}
